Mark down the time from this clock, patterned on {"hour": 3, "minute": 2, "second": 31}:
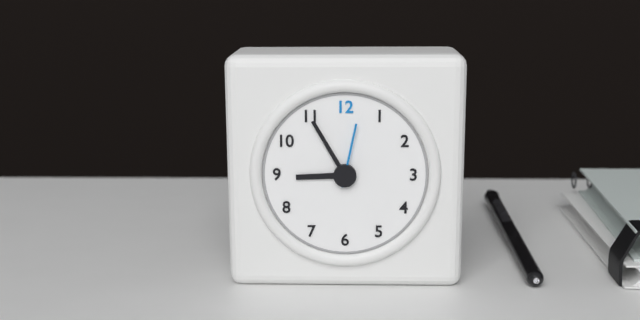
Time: {"hour": 8, "minute": 55, "second": 2}
